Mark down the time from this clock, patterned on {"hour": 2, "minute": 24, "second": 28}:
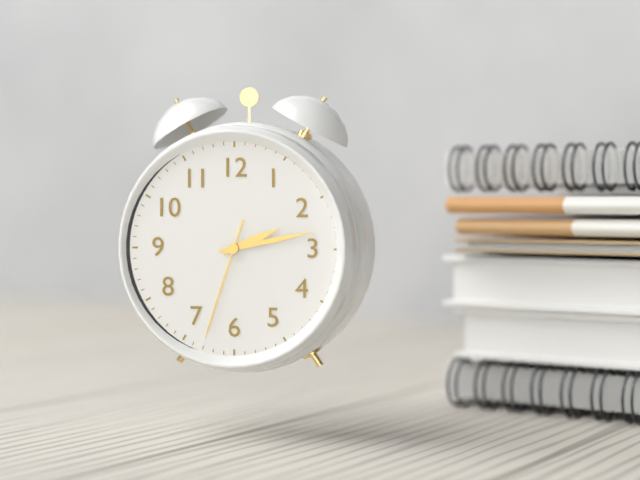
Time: {"hour": 2, "minute": 13, "second": 33}
